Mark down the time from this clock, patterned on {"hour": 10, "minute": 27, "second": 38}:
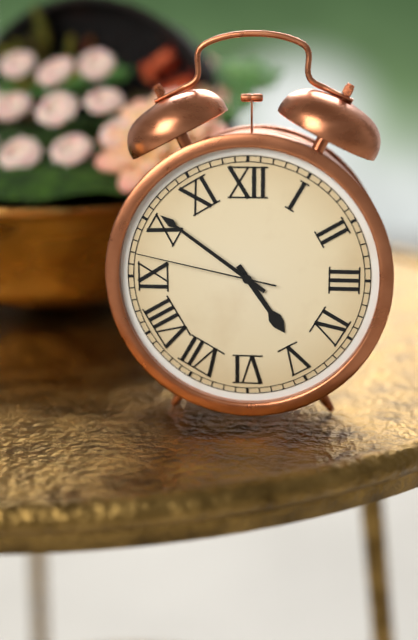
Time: {"hour": 4, "minute": 51, "second": 47}
